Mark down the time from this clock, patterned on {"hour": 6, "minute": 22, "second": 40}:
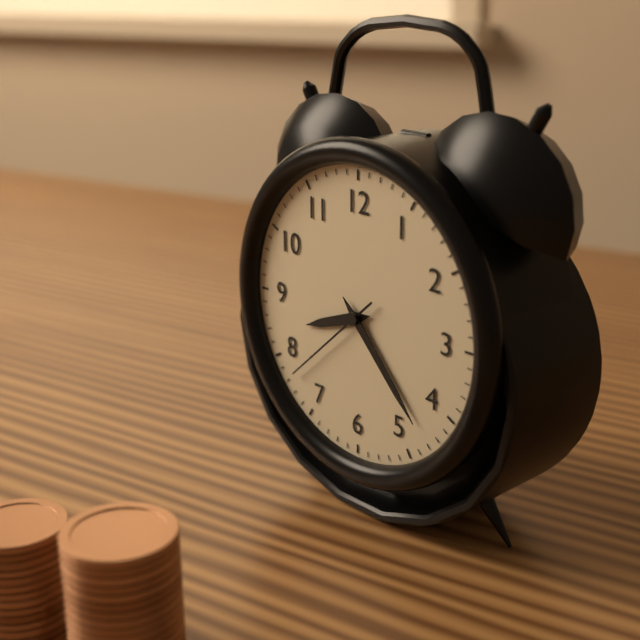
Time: {"hour": 8, "minute": 23, "second": 38}
